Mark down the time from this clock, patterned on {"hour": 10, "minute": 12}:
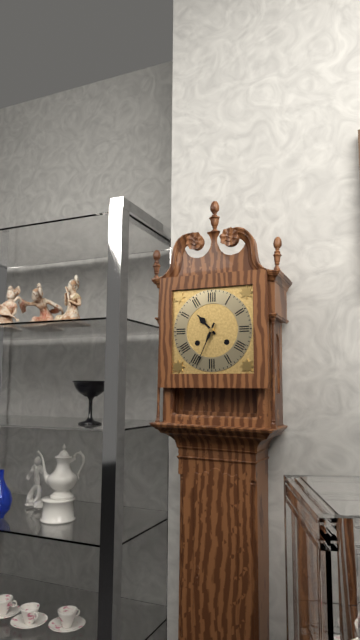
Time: {"hour": 10, "minute": 34}
